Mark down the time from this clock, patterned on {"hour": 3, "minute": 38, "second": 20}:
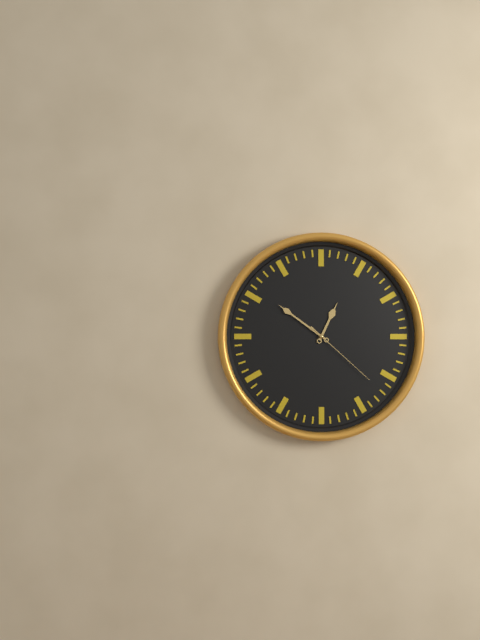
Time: {"hour": 12, "minute": 51, "second": 22}
